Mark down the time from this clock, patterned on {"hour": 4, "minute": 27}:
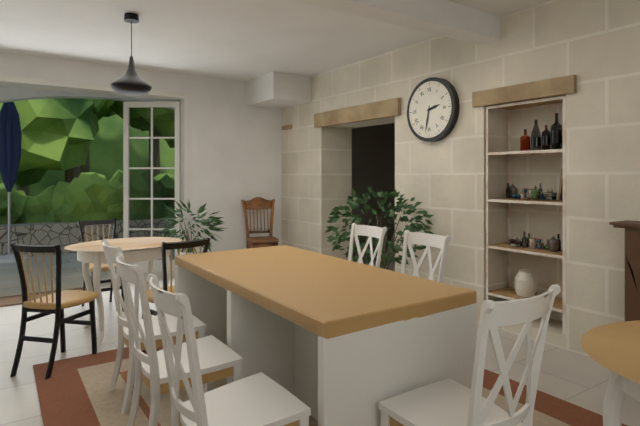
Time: {"hour": 2, "minute": 32}
